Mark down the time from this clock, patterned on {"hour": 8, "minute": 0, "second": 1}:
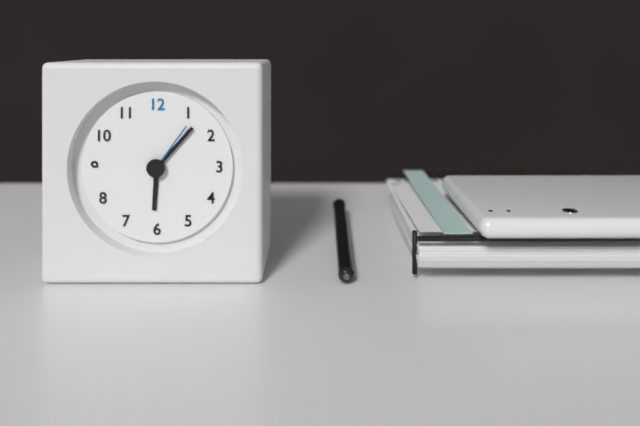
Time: {"hour": 6, "minute": 7, "second": 6}
